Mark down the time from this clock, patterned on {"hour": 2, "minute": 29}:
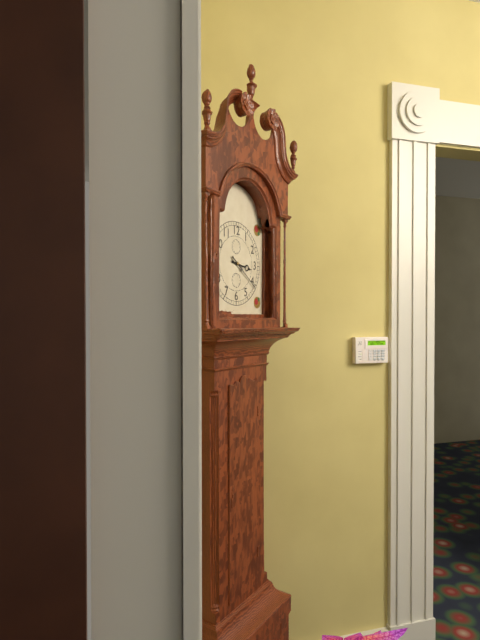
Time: {"hour": 3, "minute": 21}
